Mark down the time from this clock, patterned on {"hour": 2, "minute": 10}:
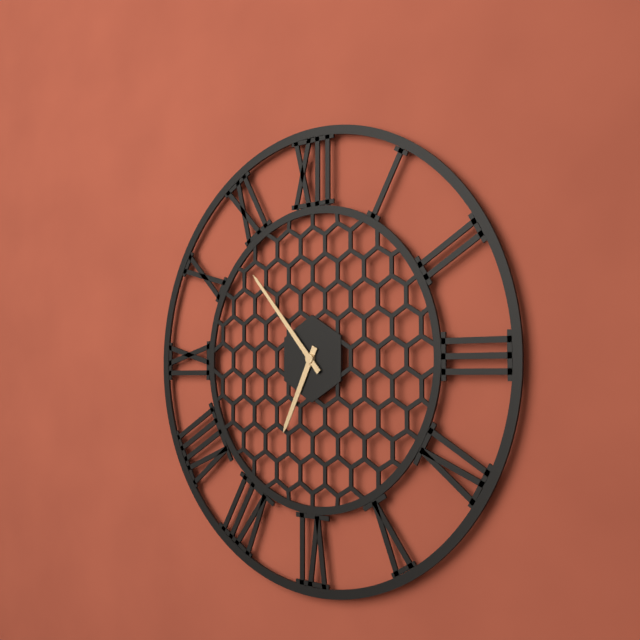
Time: {"hour": 6, "minute": 53}
